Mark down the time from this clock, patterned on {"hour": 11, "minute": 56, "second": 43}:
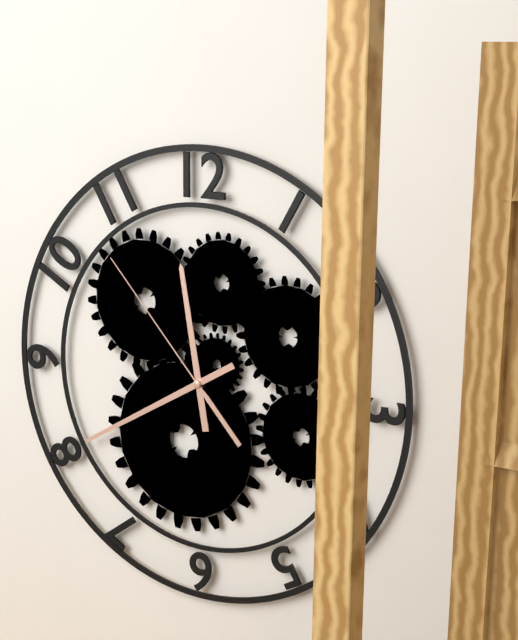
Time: {"hour": 11, "minute": 40, "second": 53}
